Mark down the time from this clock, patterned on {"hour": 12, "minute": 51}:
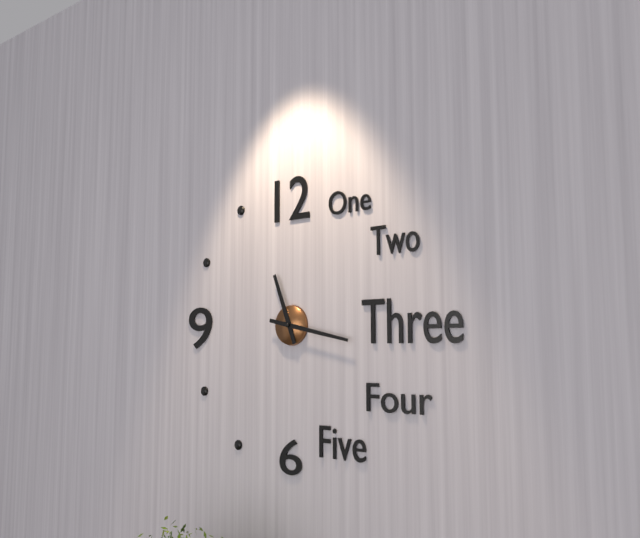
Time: {"hour": 11, "minute": 17}
